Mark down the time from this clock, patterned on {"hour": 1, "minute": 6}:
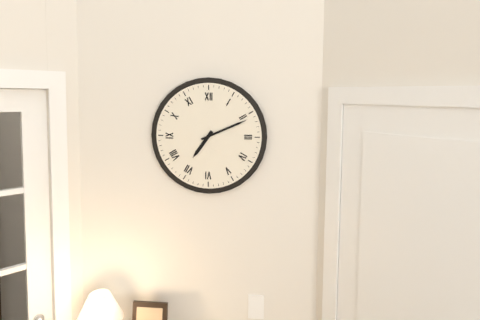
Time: {"hour": 7, "minute": 11}
